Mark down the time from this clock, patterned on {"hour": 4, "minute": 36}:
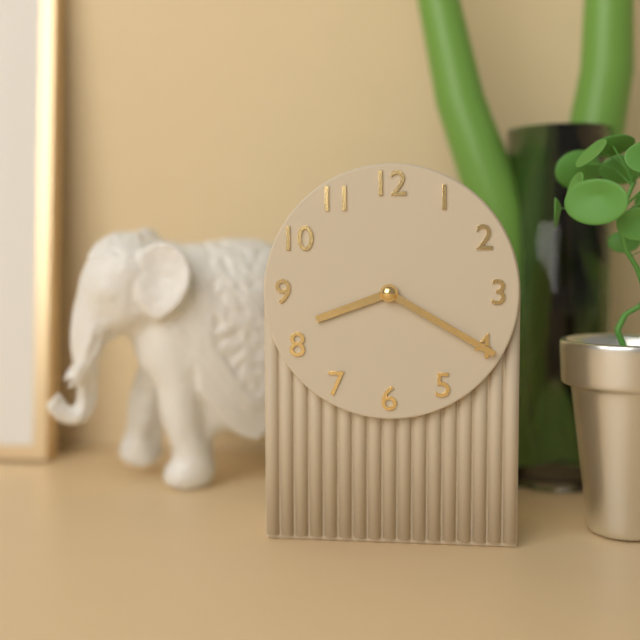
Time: {"hour": 8, "minute": 20}
